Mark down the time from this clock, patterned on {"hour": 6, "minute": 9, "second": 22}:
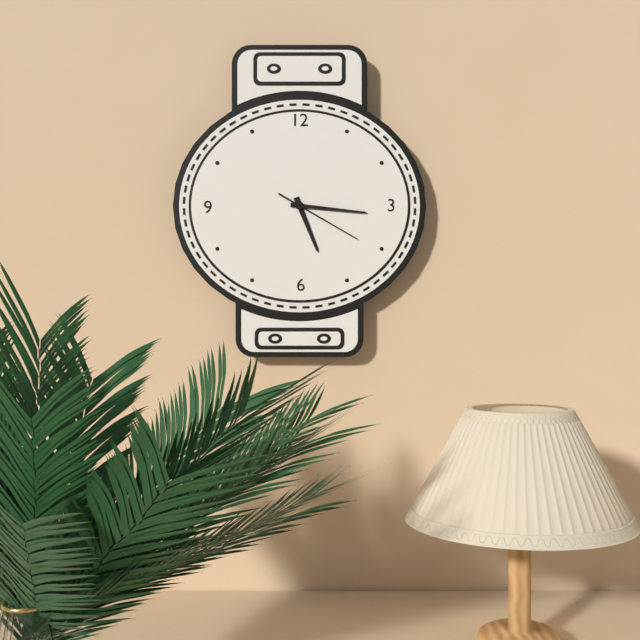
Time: {"hour": 5, "minute": 16, "second": 20}
